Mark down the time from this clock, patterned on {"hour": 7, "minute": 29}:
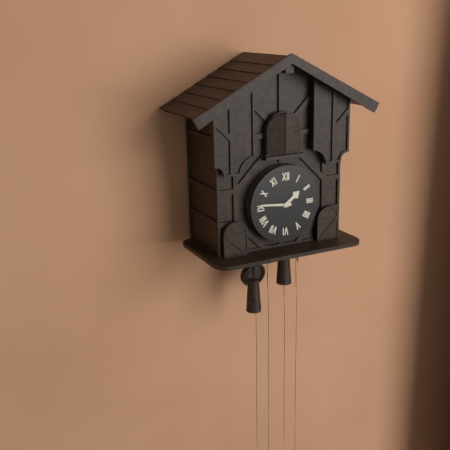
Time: {"hour": 1, "minute": 46}
